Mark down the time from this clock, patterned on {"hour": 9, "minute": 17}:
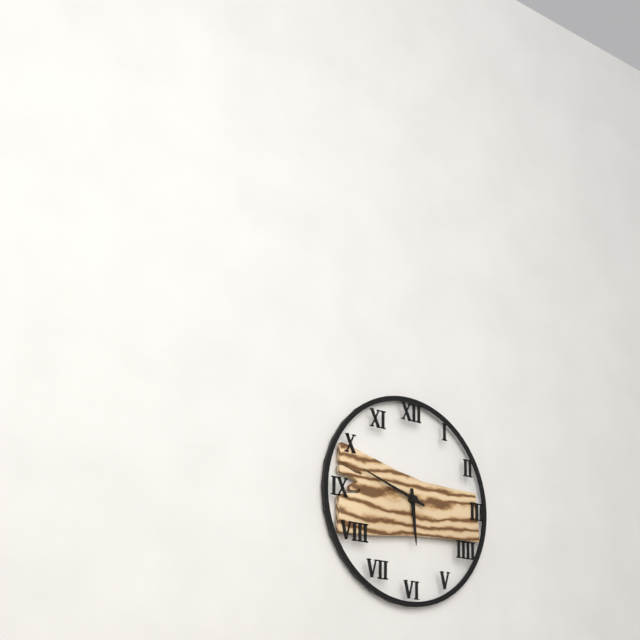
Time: {"hour": 5, "minute": 48}
